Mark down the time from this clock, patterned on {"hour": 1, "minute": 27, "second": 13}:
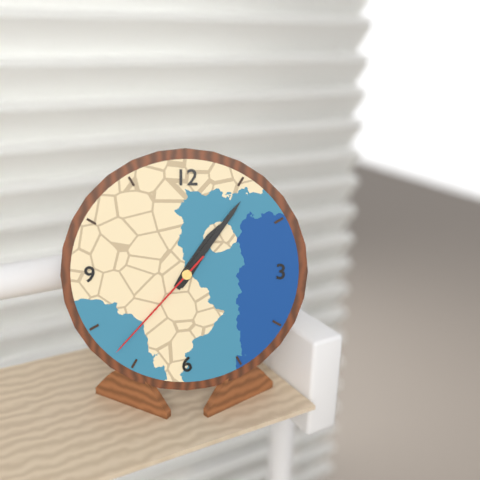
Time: {"hour": 1, "minute": 6, "second": 37}
